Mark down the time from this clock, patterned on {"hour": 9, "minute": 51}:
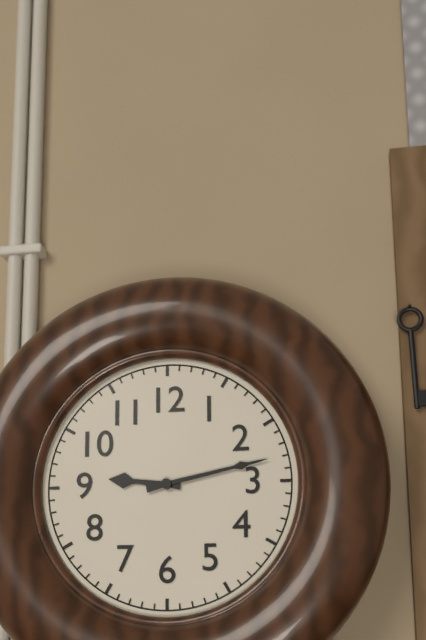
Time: {"hour": 9, "minute": 13}
